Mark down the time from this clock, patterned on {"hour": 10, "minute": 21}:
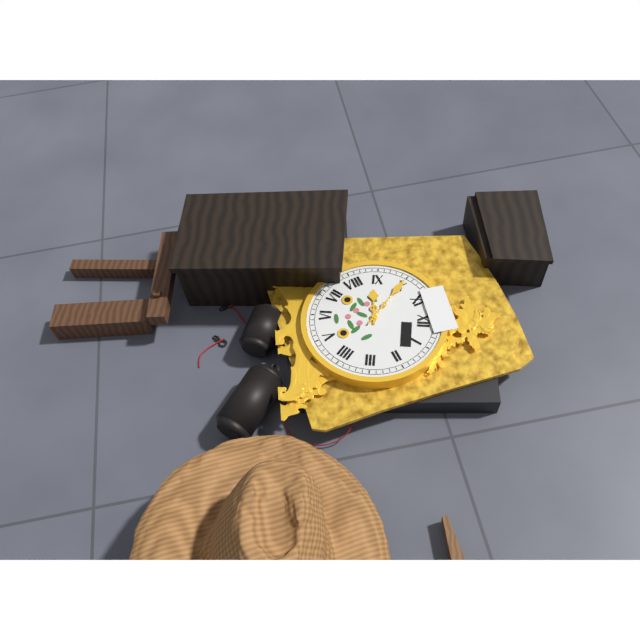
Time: {"hour": 8, "minute": 50}
